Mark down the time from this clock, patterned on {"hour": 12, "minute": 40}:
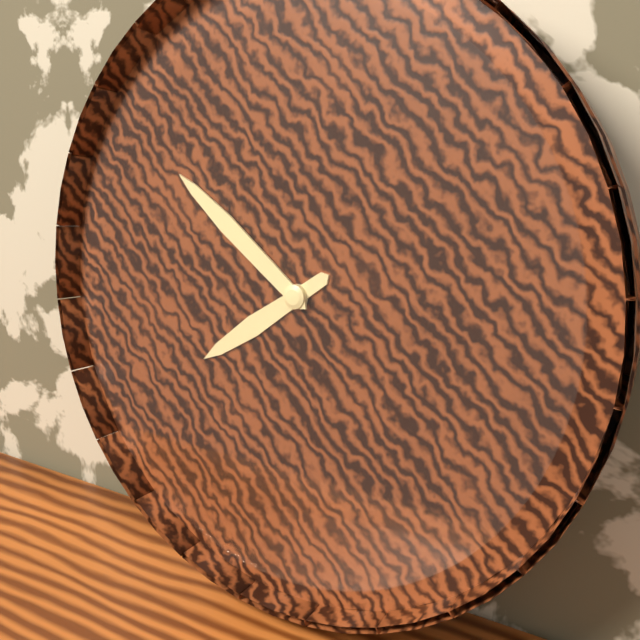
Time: {"hour": 7, "minute": 51}
